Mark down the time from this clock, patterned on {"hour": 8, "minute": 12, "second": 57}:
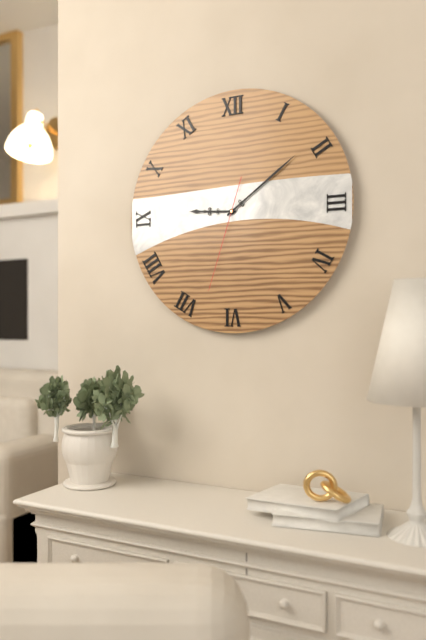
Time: {"hour": 9, "minute": 9, "second": 33}
